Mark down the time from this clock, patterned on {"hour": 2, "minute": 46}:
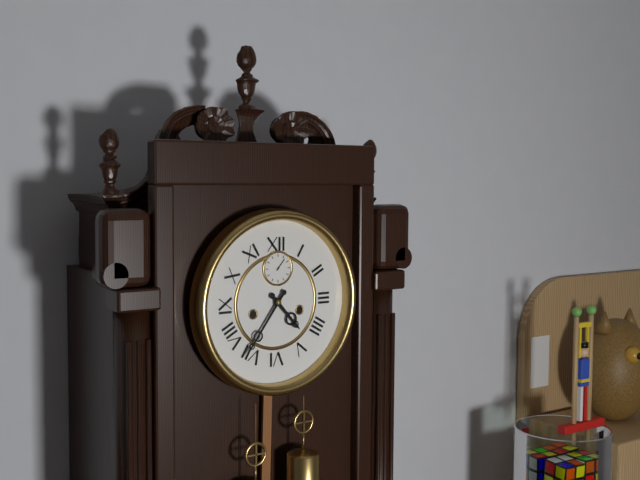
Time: {"hour": 4, "minute": 36}
